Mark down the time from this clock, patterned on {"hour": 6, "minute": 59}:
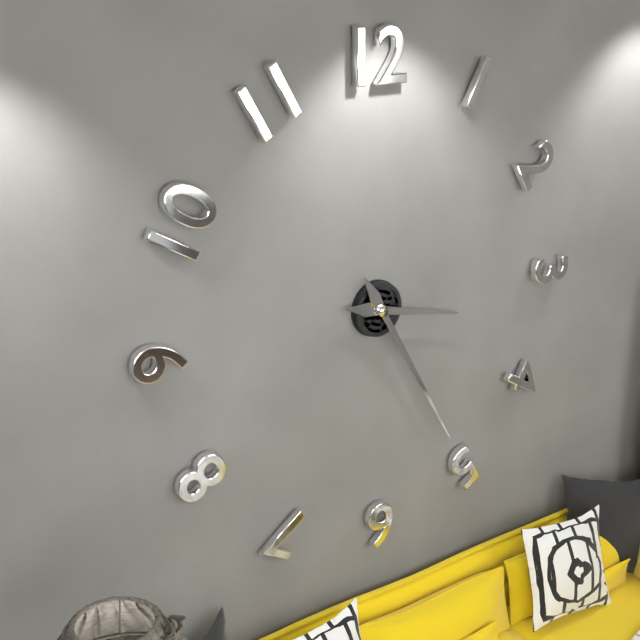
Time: {"hour": 3, "minute": 25}
